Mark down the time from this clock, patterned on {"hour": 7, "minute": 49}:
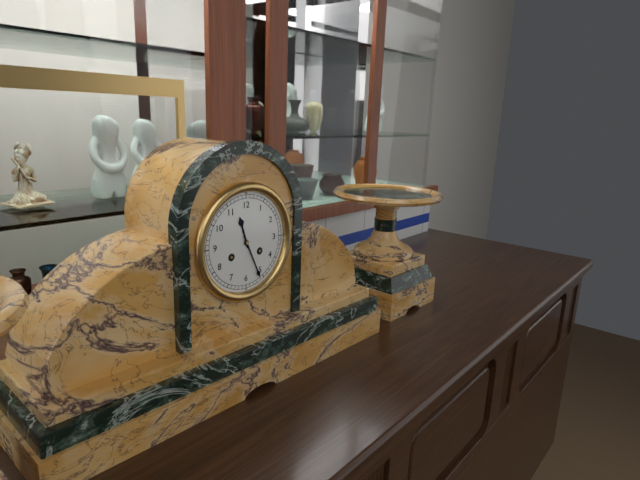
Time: {"hour": 11, "minute": 26}
